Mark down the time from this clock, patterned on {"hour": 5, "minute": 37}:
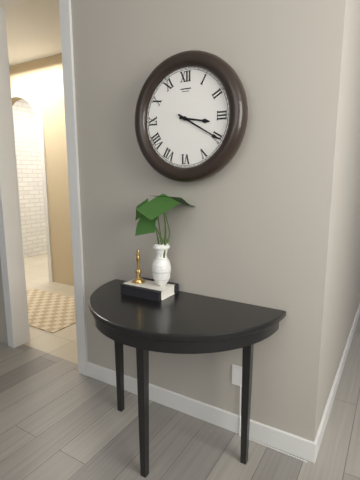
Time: {"hour": 3, "minute": 20}
